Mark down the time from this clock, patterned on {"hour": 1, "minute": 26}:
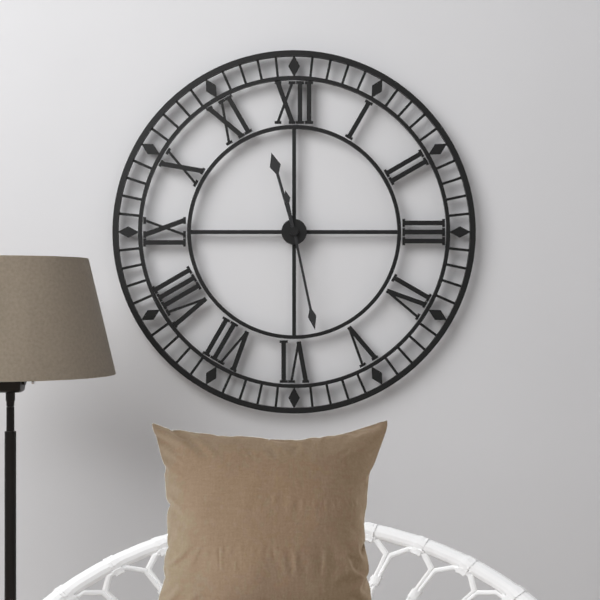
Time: {"hour": 11, "minute": 28}
